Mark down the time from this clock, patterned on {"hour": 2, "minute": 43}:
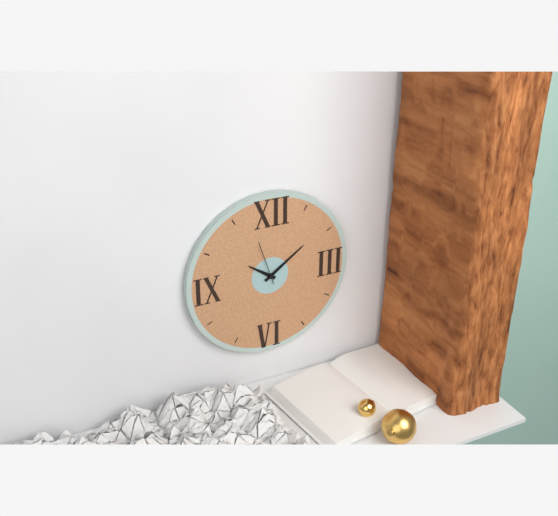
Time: {"hour": 10, "minute": 9}
